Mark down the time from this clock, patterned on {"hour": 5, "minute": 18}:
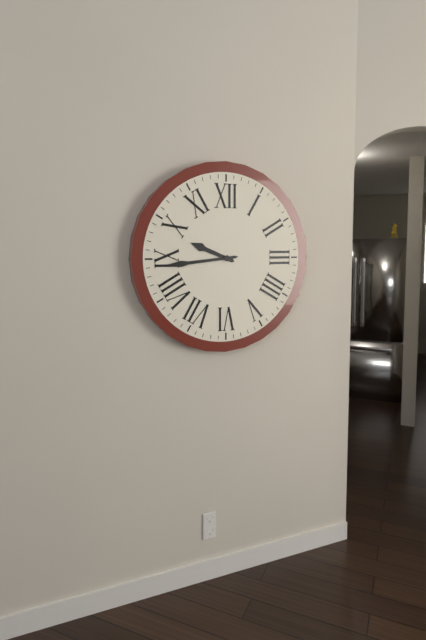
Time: {"hour": 9, "minute": 44}
